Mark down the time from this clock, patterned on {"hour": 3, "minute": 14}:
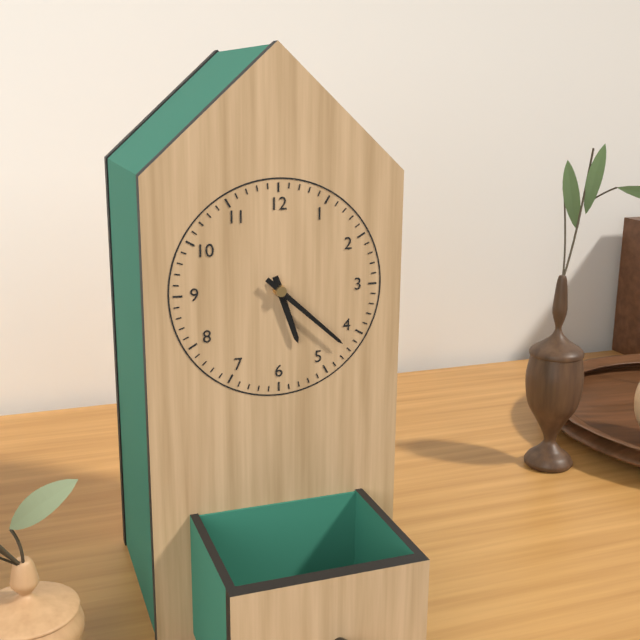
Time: {"hour": 5, "minute": 22}
